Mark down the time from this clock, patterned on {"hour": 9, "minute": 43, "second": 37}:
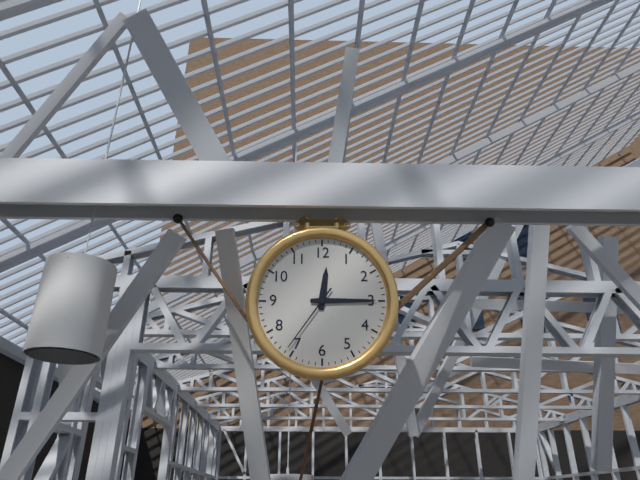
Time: {"hour": 12, "minute": 15, "second": 36}
